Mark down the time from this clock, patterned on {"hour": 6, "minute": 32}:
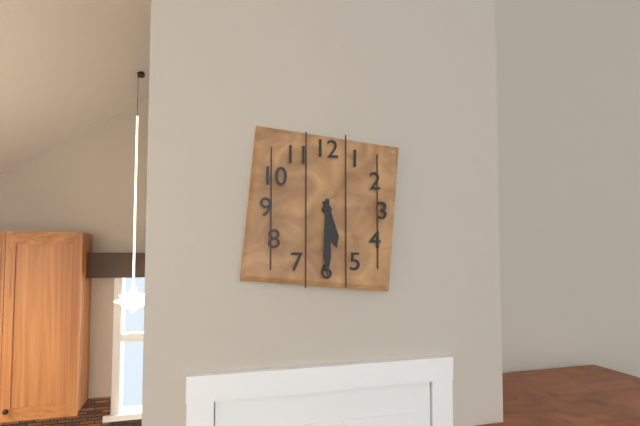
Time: {"hour": 5, "minute": 30}
